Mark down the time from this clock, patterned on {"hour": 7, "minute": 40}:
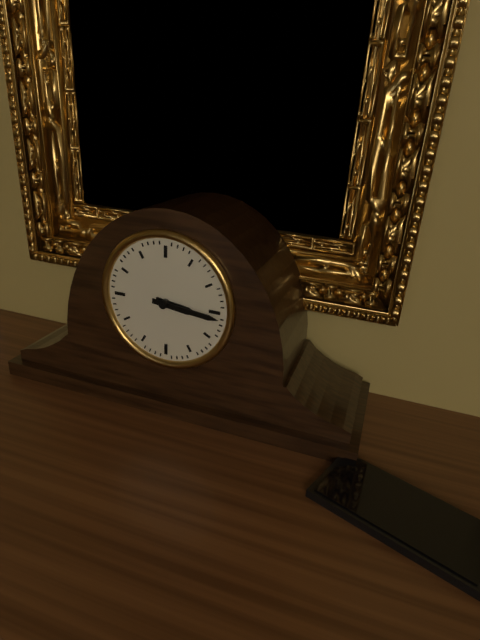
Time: {"hour": 3, "minute": 16}
